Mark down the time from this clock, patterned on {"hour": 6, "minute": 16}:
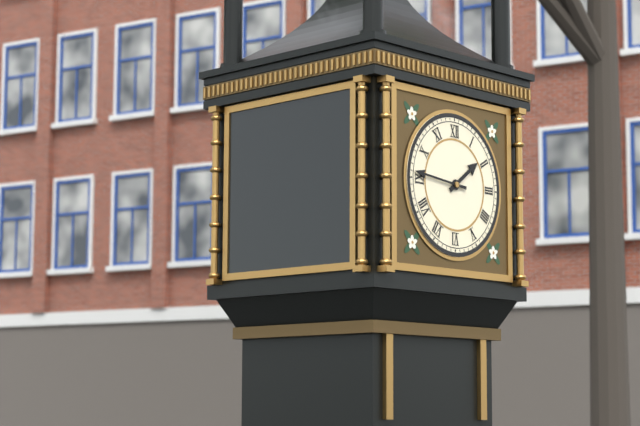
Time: {"hour": 1, "minute": 46}
